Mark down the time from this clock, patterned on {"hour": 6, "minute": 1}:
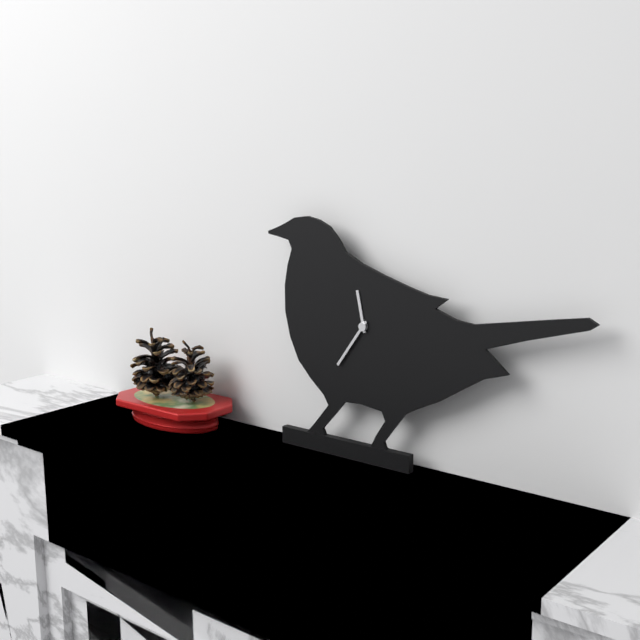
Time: {"hour": 11, "minute": 36}
